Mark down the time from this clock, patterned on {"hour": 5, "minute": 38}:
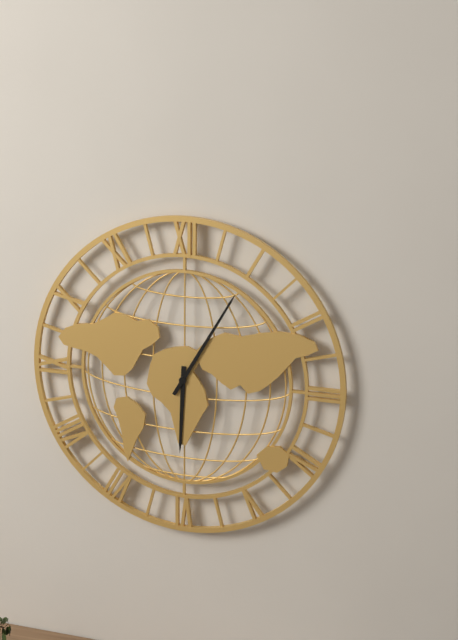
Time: {"hour": 6, "minute": 5}
